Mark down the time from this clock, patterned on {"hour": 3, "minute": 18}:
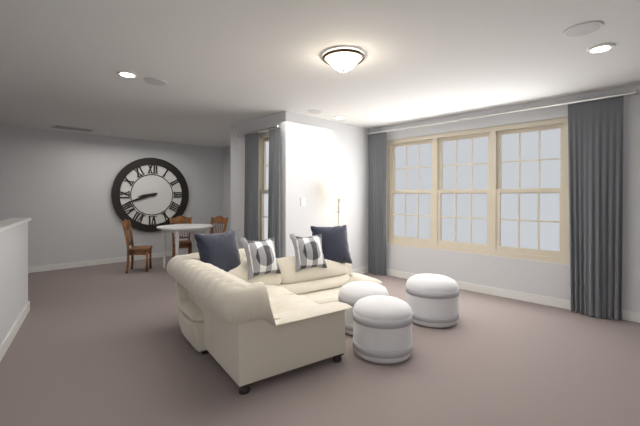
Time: {"hour": 8, "minute": 42}
